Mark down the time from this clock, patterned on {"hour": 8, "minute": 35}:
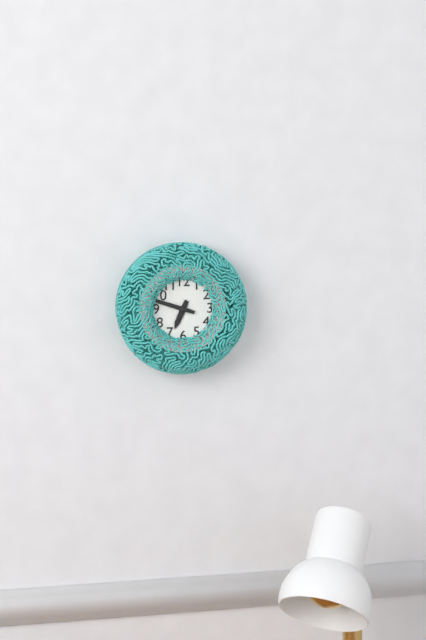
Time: {"hour": 6, "minute": 48}
